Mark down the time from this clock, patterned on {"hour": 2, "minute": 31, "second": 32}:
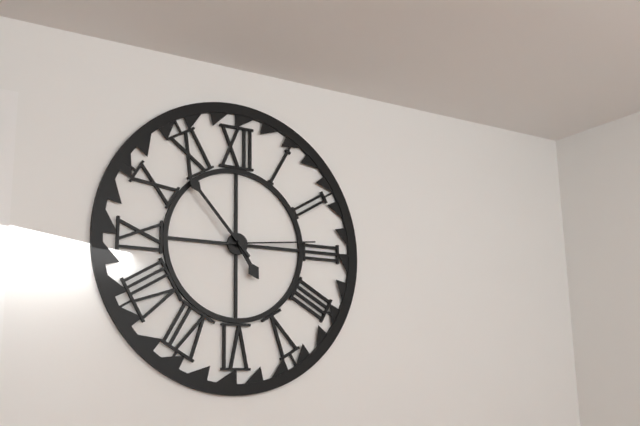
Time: {"hour": 4, "minute": 53, "second": 14}
